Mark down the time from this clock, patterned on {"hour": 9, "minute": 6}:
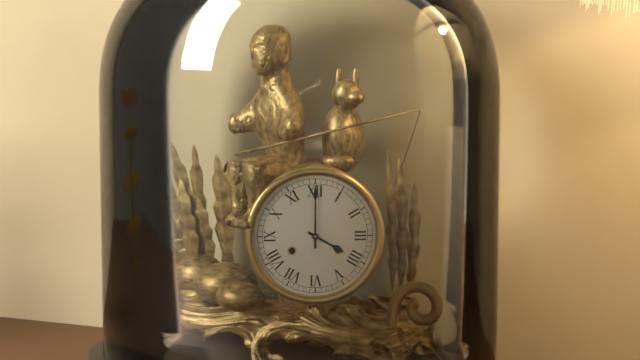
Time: {"hour": 4, "minute": 0}
